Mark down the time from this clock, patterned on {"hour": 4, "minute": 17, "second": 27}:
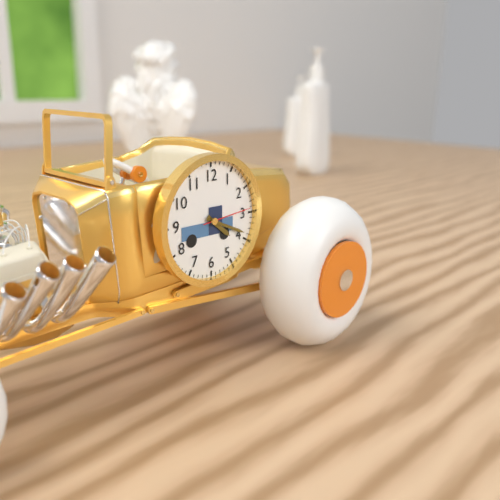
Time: {"hour": 4, "minute": 19, "second": 14}
